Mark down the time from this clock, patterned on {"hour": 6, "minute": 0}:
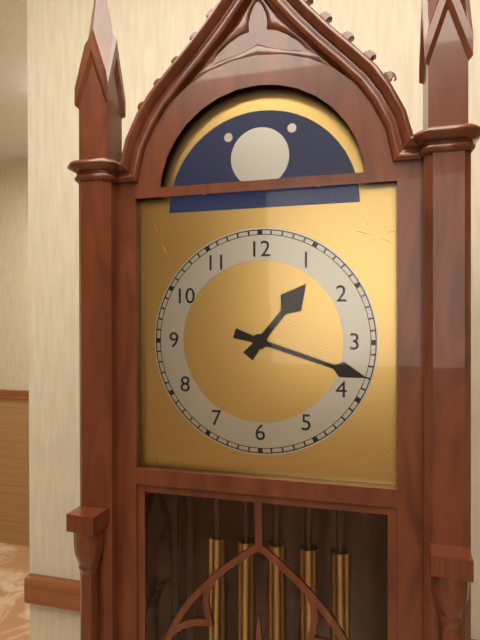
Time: {"hour": 1, "minute": 18}
